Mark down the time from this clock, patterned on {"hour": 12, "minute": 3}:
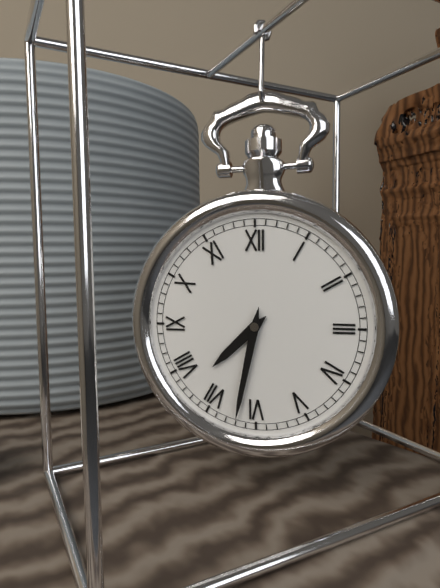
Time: {"hour": 7, "minute": 32}
